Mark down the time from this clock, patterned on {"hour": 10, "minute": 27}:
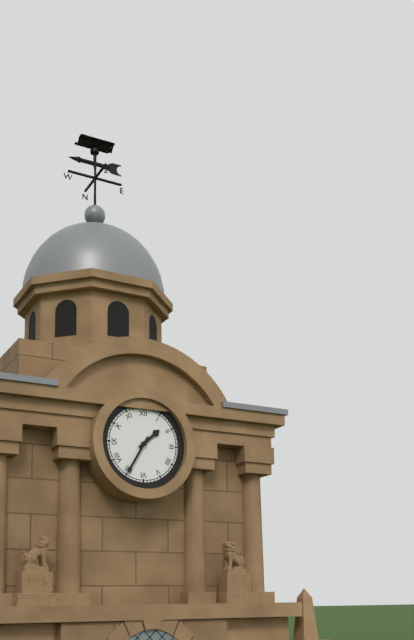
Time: {"hour": 1, "minute": 35}
